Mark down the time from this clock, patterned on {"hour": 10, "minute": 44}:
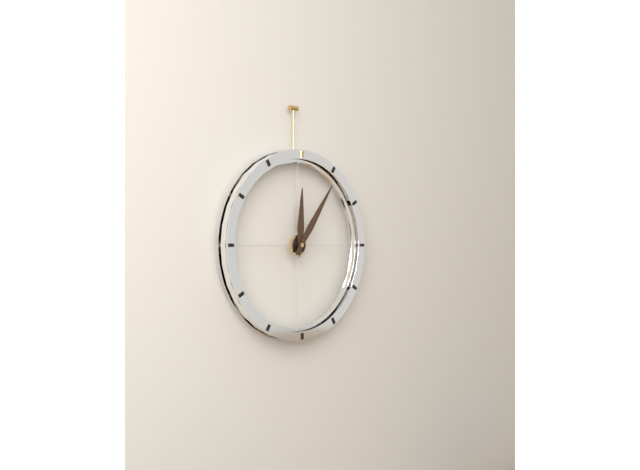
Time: {"hour": 12, "minute": 6}
